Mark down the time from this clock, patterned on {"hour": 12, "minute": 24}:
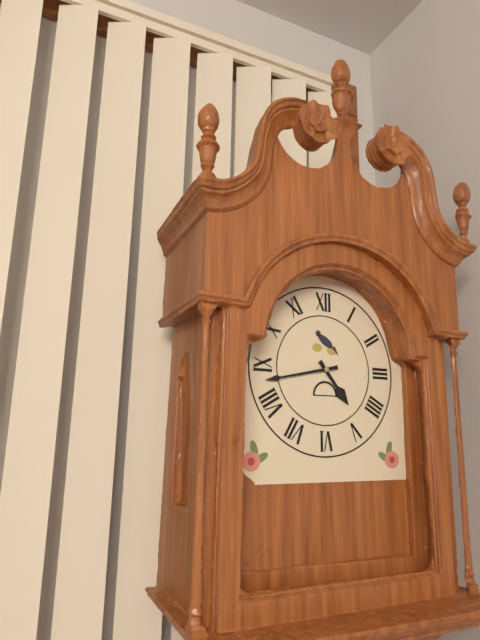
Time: {"hour": 4, "minute": 43}
